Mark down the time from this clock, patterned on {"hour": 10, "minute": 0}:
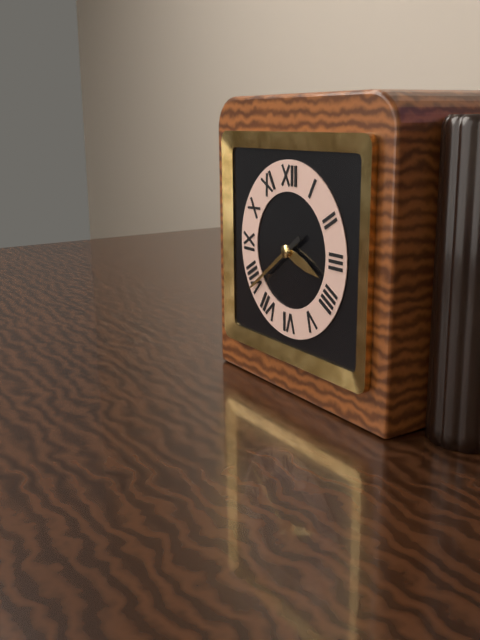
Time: {"hour": 3, "minute": 39}
